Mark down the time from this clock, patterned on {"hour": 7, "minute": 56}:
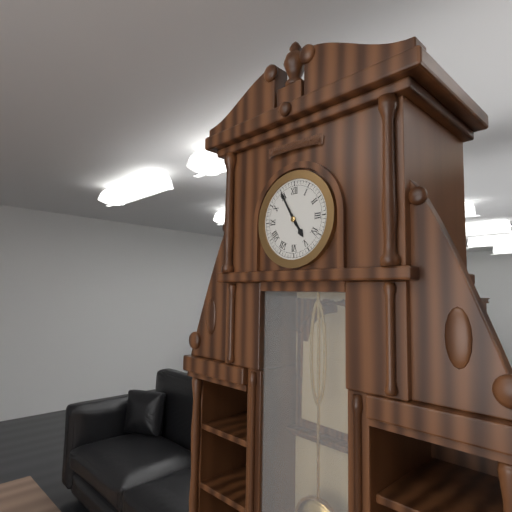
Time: {"hour": 4, "minute": 55}
